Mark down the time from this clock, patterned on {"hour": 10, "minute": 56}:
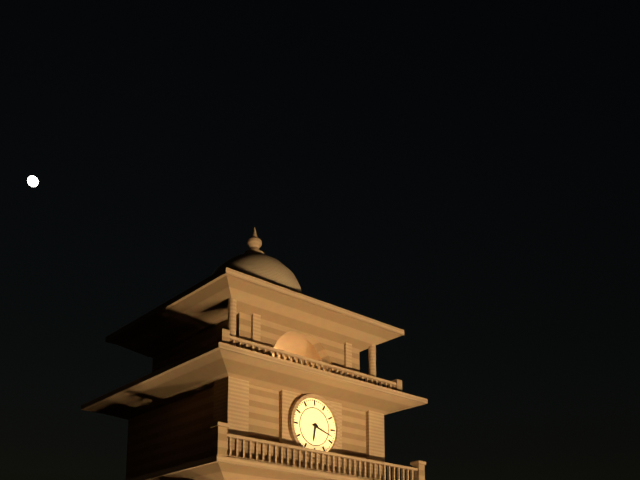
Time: {"hour": 6, "minute": 18}
